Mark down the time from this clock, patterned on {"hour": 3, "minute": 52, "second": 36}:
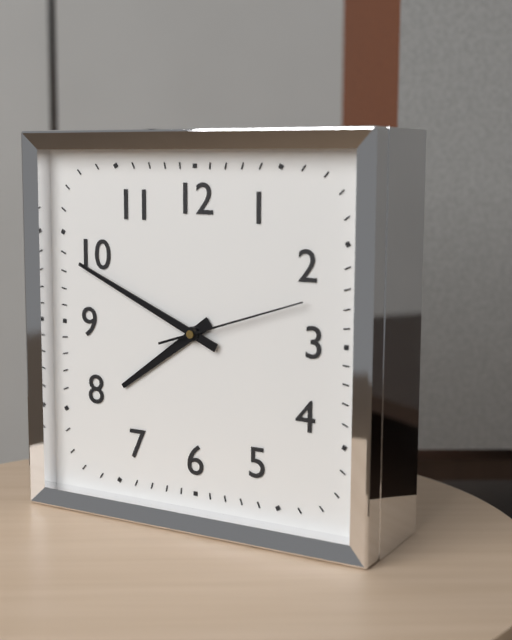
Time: {"hour": 7, "minute": 49, "second": 12}
